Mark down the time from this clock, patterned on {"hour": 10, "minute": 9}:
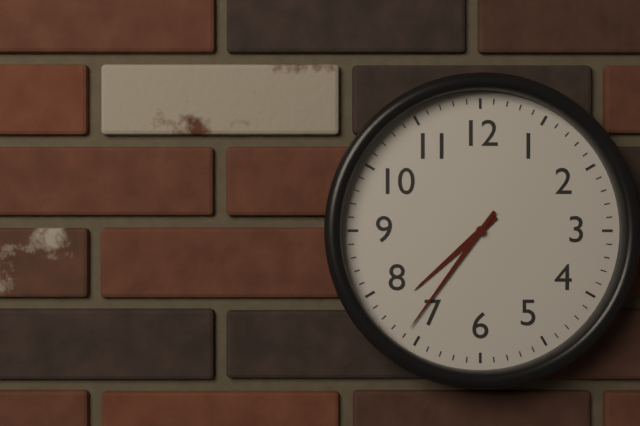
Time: {"hour": 7, "minute": 36}
